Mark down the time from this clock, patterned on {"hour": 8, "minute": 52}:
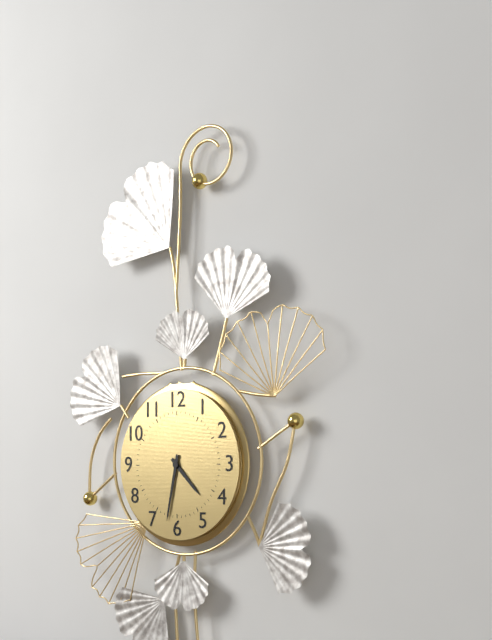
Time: {"hour": 4, "minute": 32}
